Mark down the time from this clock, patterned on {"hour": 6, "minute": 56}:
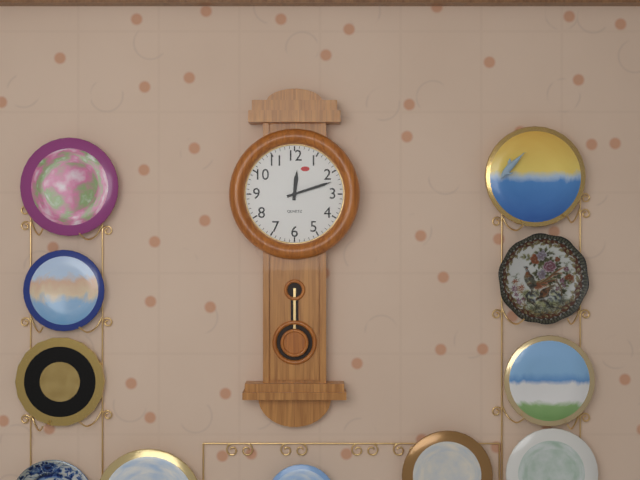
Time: {"hour": 12, "minute": 12}
